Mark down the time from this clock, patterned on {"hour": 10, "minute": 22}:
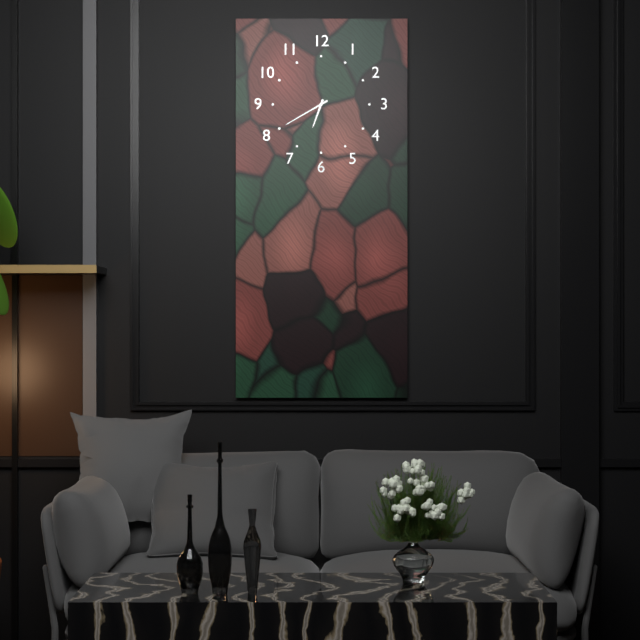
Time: {"hour": 6, "minute": 40}
